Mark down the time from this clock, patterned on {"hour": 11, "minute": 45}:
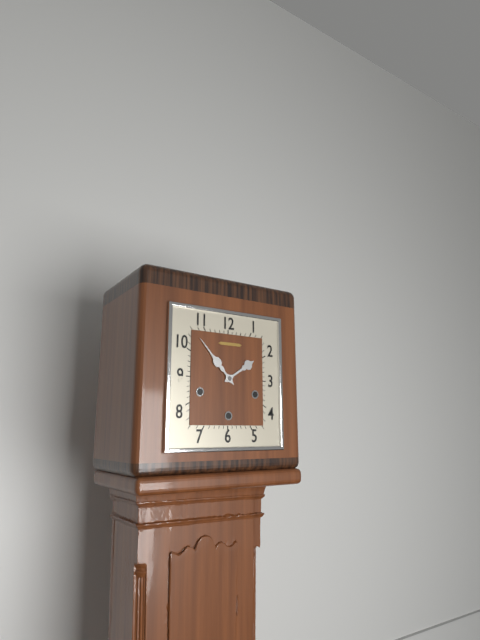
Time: {"hour": 1, "minute": 53}
